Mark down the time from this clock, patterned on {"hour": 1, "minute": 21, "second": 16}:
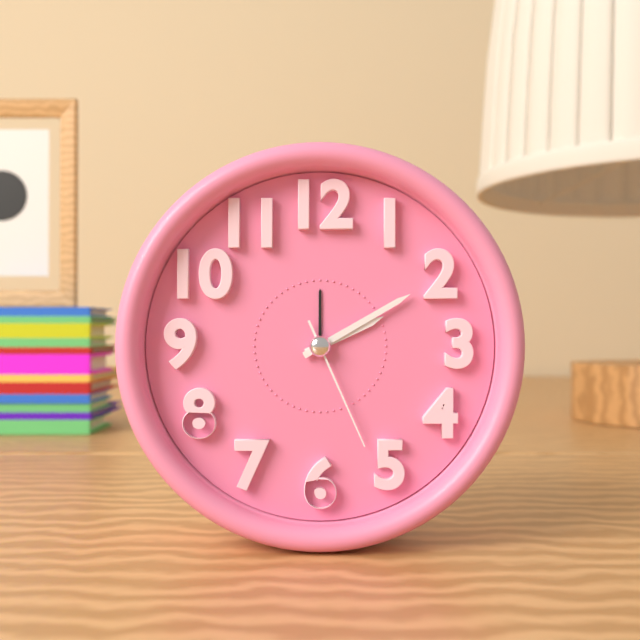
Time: {"hour": 2, "minute": 10, "second": 26}
